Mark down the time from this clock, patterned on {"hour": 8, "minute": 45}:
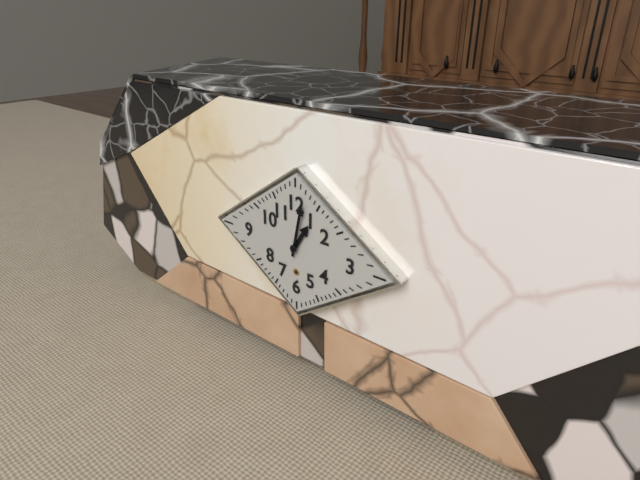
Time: {"hour": 1, "minute": 2}
